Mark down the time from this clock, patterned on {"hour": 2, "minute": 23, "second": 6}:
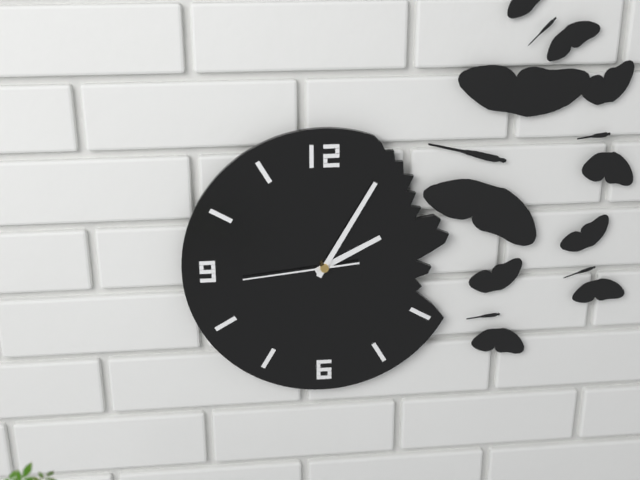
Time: {"hour": 2, "minute": 5, "second": 44}
